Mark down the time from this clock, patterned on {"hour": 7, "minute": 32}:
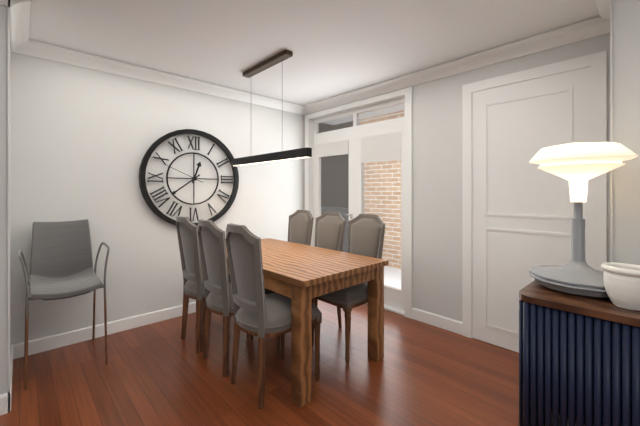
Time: {"hour": 12, "minute": 39}
